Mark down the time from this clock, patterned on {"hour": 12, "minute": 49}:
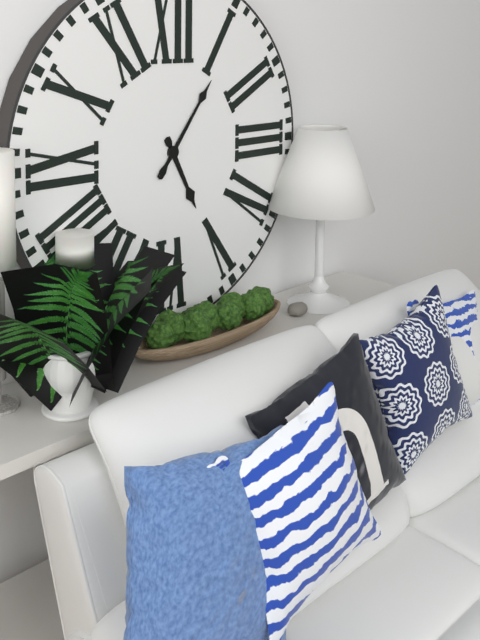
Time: {"hour": 5, "minute": 6}
